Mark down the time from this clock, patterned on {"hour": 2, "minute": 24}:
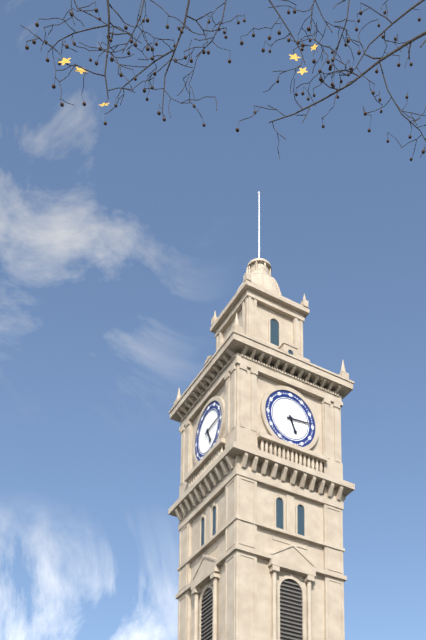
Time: {"hour": 5, "minute": 14}
